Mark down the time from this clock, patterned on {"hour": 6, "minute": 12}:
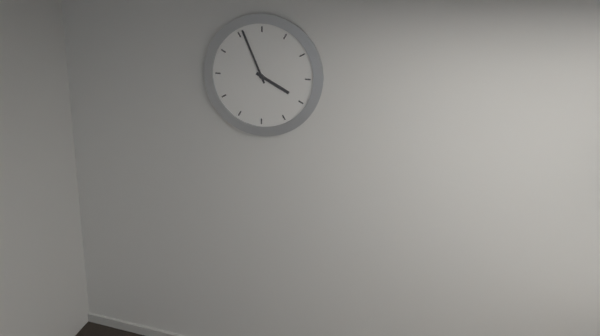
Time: {"hour": 3, "minute": 56}
